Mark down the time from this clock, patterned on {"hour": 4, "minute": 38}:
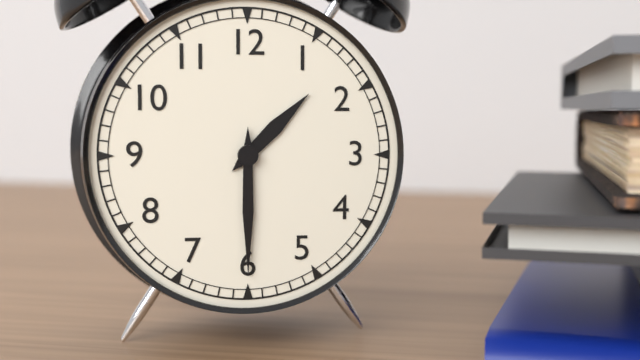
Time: {"hour": 1, "minute": 30}
